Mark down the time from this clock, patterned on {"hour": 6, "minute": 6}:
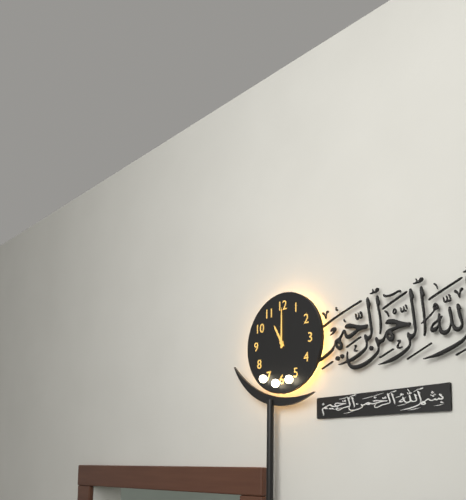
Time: {"hour": 11, "minute": 0}
